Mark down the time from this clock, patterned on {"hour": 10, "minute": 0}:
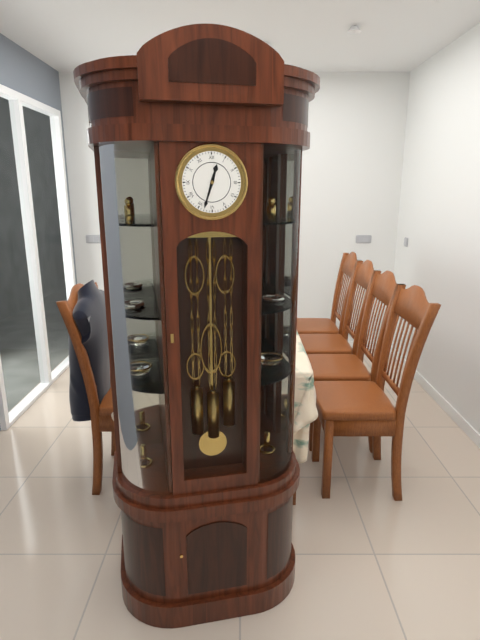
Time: {"hour": 12, "minute": 33}
